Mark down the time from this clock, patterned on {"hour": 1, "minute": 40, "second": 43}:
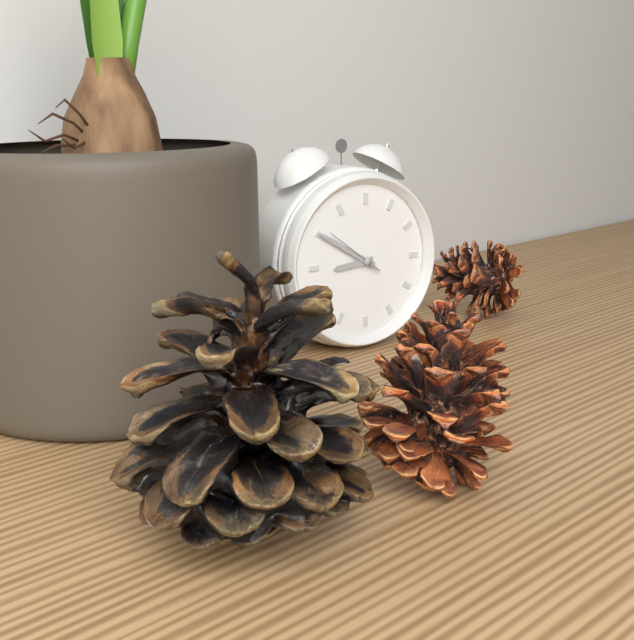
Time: {"hour": 8, "minute": 50, "second": 51}
